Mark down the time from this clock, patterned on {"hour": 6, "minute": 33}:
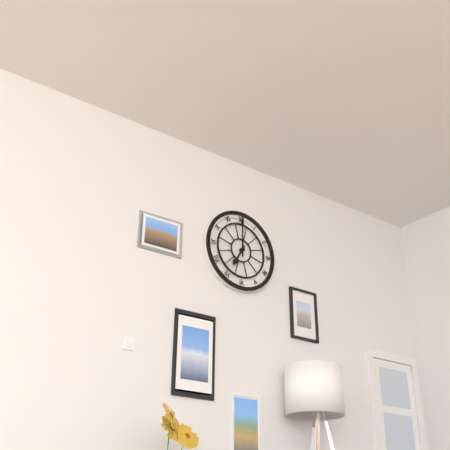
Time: {"hour": 7, "minute": 0}
